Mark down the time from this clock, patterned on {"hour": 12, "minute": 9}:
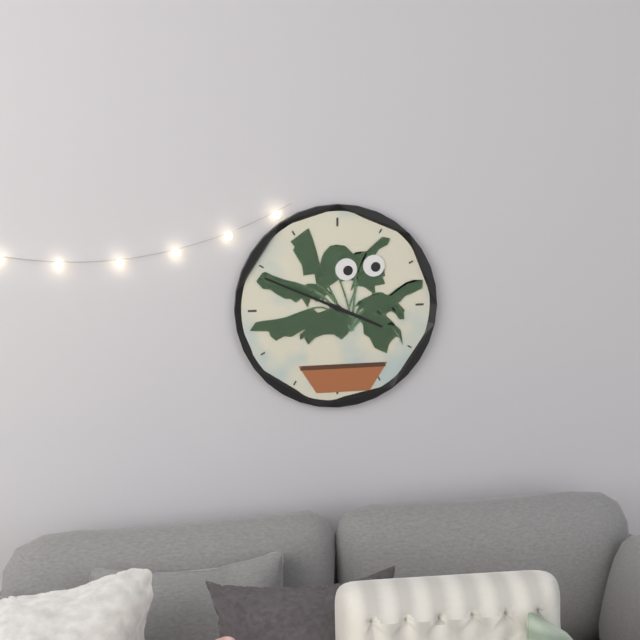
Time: {"hour": 3, "minute": 49}
